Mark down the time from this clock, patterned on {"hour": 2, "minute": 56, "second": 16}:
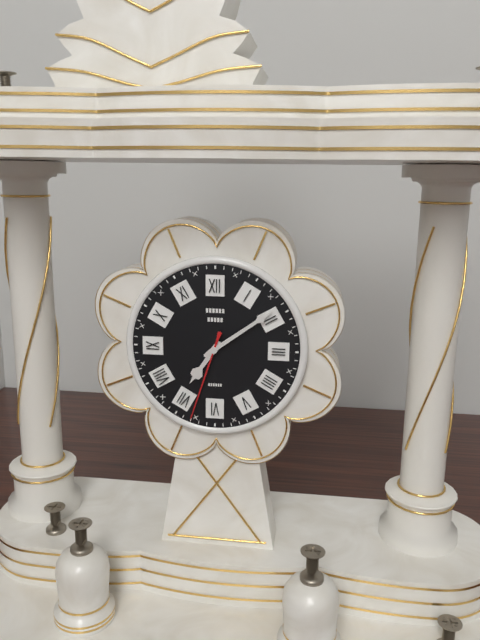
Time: {"hour": 7, "minute": 9, "second": 33}
